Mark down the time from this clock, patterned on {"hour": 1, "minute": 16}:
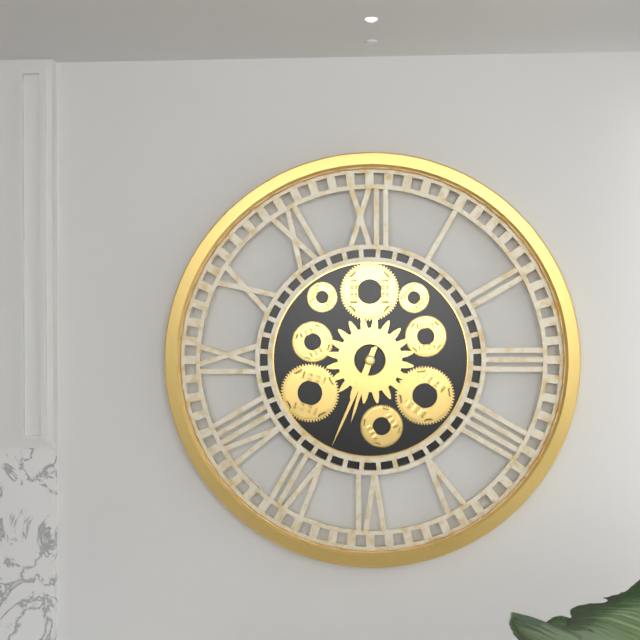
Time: {"hour": 6, "minute": 34}
